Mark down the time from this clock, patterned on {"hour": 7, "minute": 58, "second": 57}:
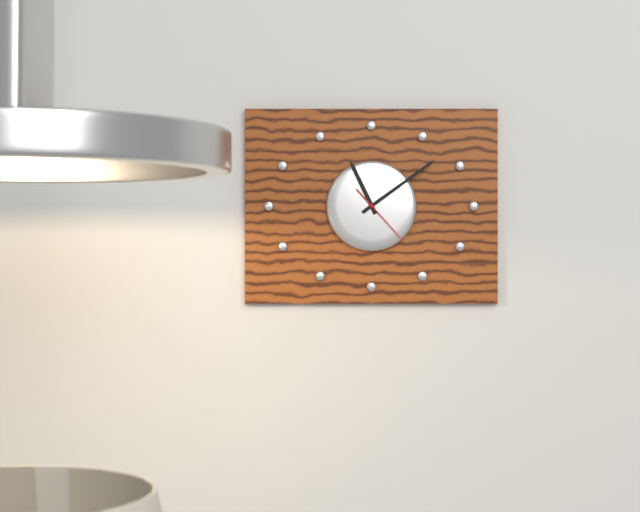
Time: {"hour": 11, "minute": 9, "second": 23}
